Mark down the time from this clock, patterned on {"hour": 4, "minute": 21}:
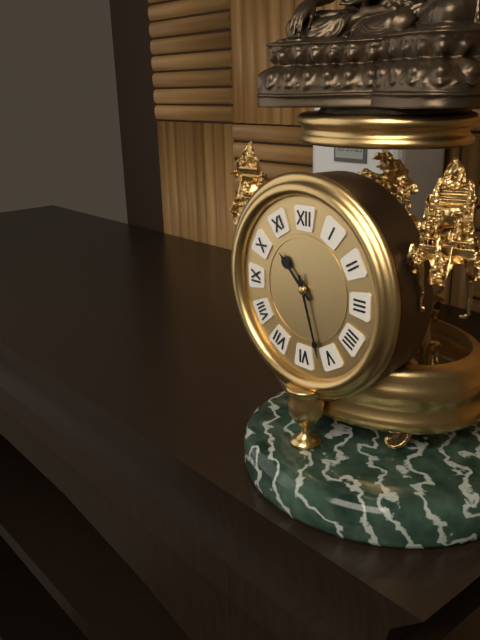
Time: {"hour": 10, "minute": 27}
